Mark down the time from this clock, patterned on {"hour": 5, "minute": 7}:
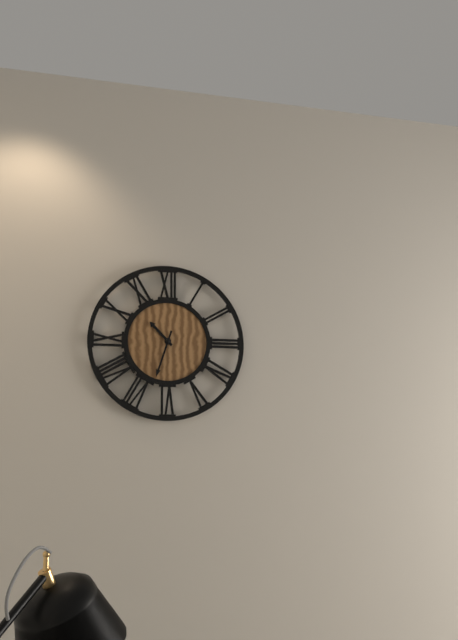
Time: {"hour": 10, "minute": 33}
